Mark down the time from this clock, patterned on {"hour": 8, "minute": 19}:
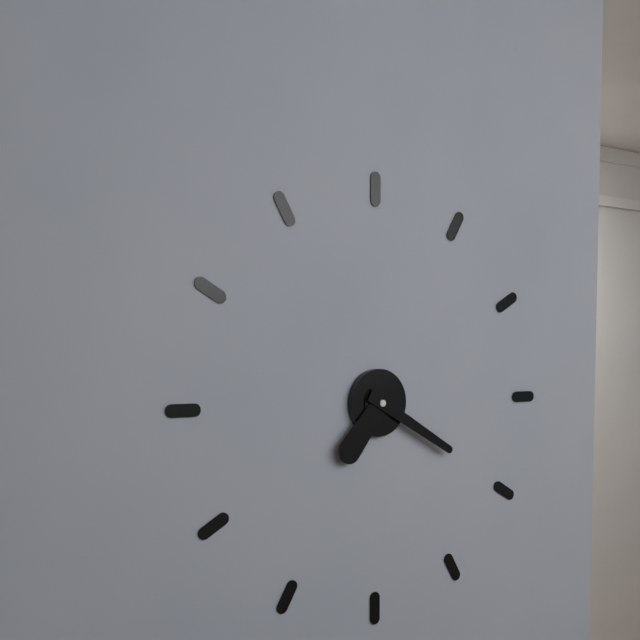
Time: {"hour": 7, "minute": 20}
